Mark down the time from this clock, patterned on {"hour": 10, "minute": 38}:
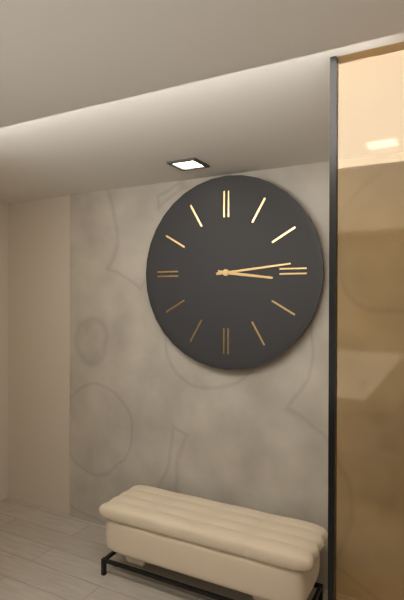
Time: {"hour": 3, "minute": 14}
